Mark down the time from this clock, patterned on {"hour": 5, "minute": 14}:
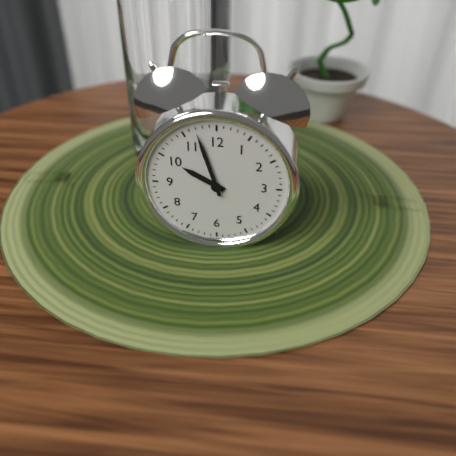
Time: {"hour": 9, "minute": 57}
